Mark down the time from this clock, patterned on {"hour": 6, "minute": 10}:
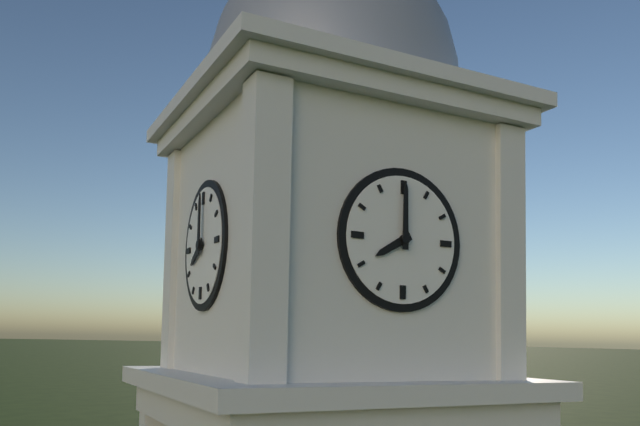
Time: {"hour": 8, "minute": 0}
